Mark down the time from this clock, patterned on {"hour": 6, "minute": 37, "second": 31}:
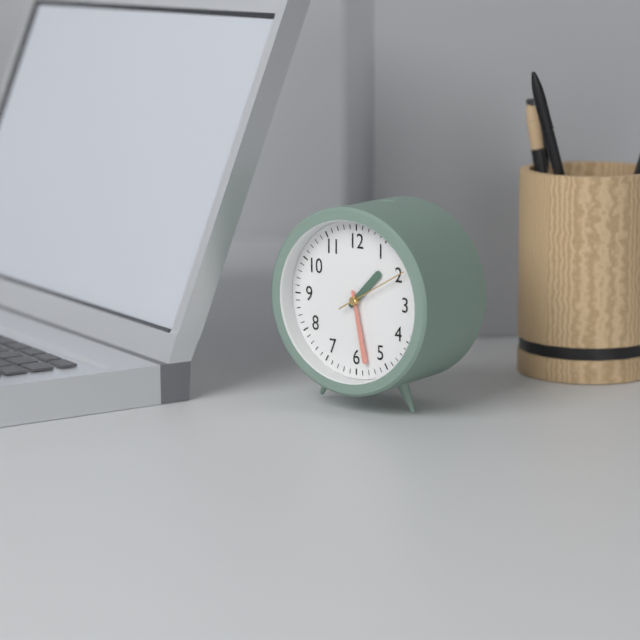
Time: {"hour": 1, "minute": 28, "second": 10}
